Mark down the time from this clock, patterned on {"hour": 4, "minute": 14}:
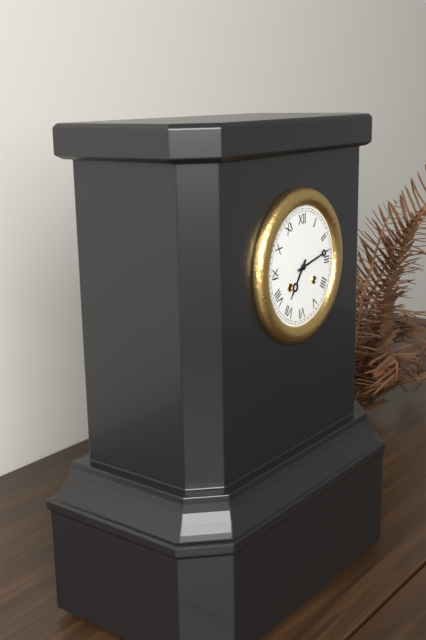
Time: {"hour": 7, "minute": 13}
